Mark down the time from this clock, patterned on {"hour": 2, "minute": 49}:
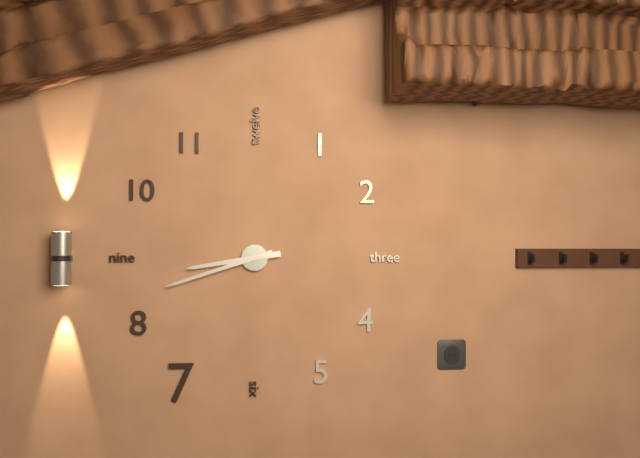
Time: {"hour": 8, "minute": 42}
